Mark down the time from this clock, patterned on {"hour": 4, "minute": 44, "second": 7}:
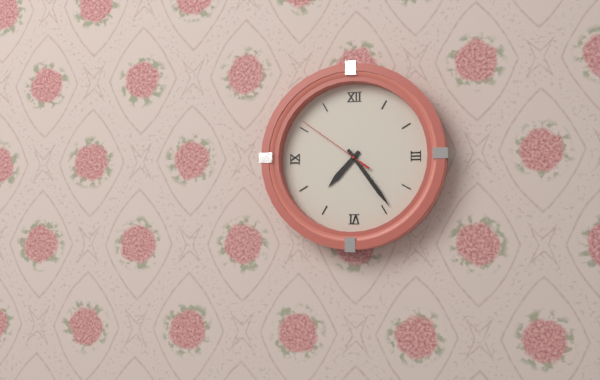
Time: {"hour": 7, "minute": 24, "second": 51}
